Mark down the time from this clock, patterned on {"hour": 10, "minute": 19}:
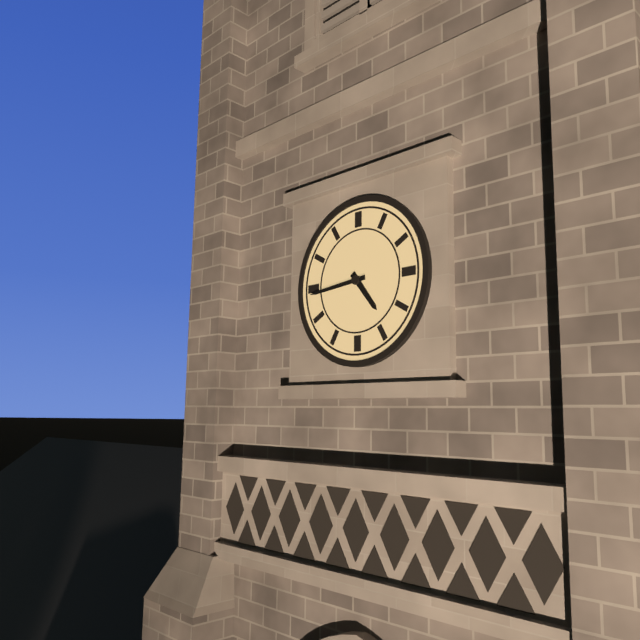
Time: {"hour": 4, "minute": 44}
